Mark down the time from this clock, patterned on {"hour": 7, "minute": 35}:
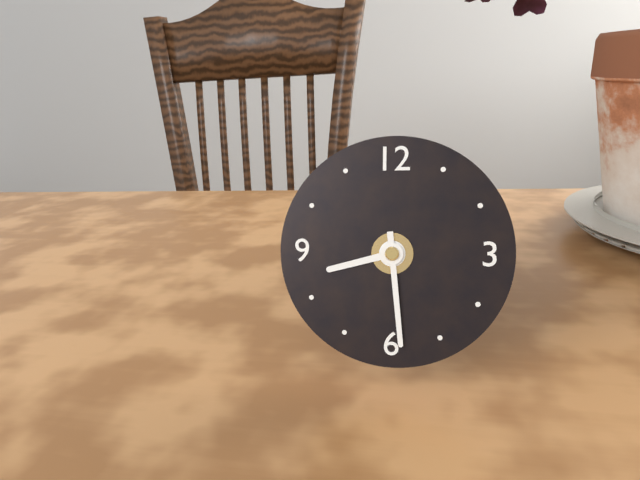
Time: {"hour": 8, "minute": 29}
